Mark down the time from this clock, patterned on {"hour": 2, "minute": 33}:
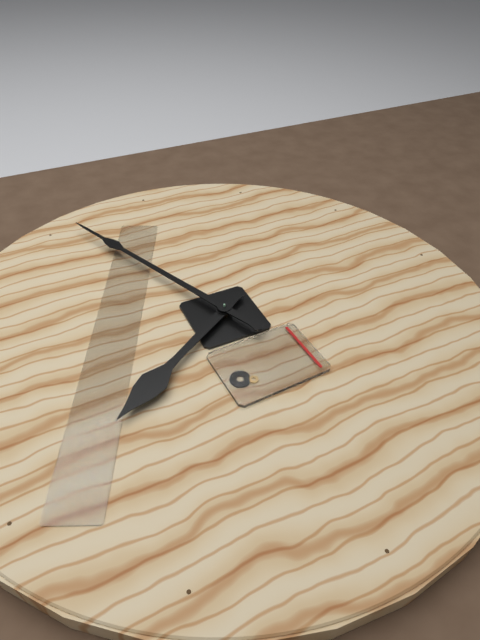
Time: {"hour": 7, "minute": 56}
